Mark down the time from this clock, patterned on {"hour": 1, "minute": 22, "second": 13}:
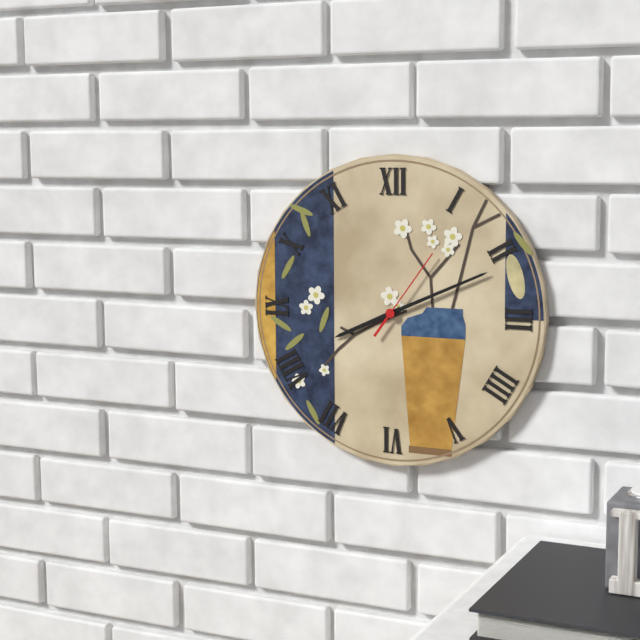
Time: {"hour": 8, "minute": 11, "second": 6}
